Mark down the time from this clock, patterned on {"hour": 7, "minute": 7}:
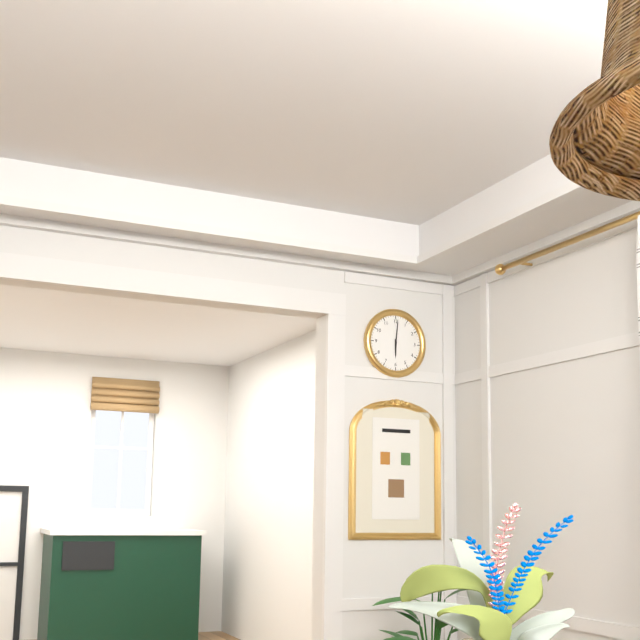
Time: {"hour": 6, "minute": 1}
